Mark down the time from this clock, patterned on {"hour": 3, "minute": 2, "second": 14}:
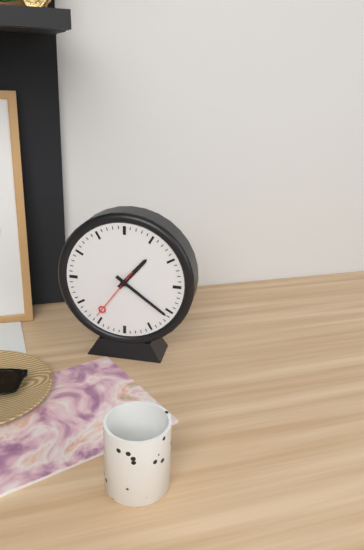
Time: {"hour": 1, "minute": 21, "second": 36}
